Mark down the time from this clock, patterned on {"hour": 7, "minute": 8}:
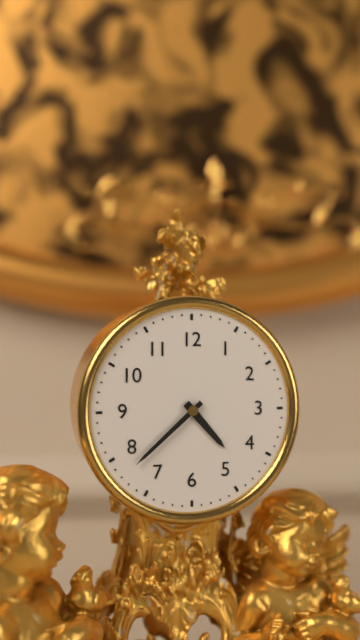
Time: {"hour": 4, "minute": 38}
